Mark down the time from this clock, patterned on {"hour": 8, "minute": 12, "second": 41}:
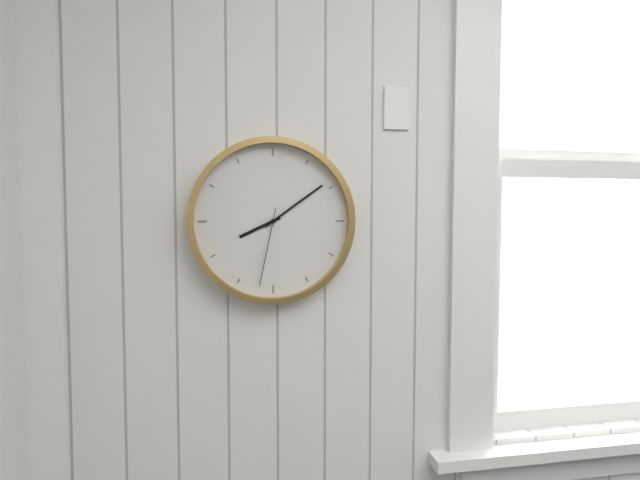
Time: {"hour": 8, "minute": 9, "second": 32}
